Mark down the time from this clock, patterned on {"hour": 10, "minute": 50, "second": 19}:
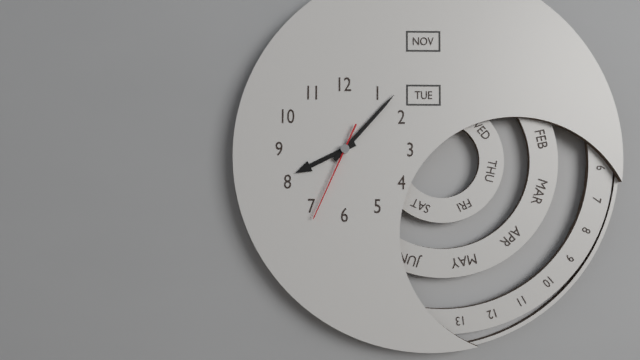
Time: {"hour": 8, "minute": 7, "second": 34}
